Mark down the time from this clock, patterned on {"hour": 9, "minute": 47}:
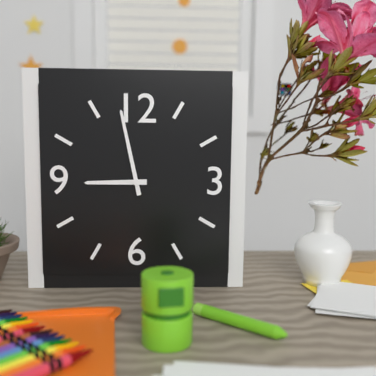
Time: {"hour": 8, "minute": 58}
